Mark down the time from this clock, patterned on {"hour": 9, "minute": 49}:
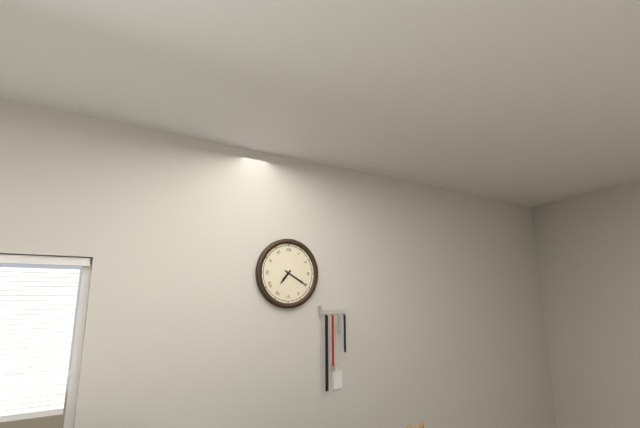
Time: {"hour": 7, "minute": 20}
